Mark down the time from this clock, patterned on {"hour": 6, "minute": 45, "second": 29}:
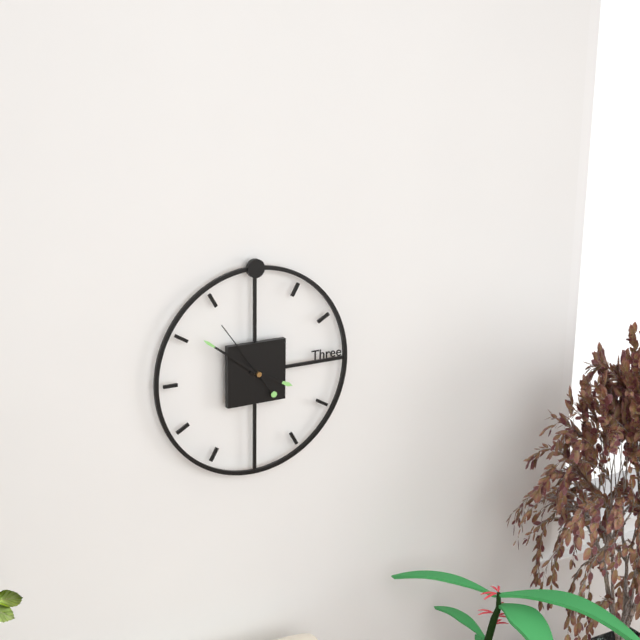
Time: {"hour": 3, "minute": 51, "second": 54}
